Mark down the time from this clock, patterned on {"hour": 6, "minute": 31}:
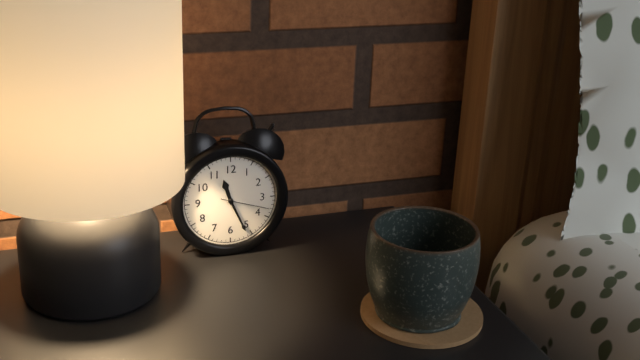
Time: {"hour": 11, "minute": 26}
